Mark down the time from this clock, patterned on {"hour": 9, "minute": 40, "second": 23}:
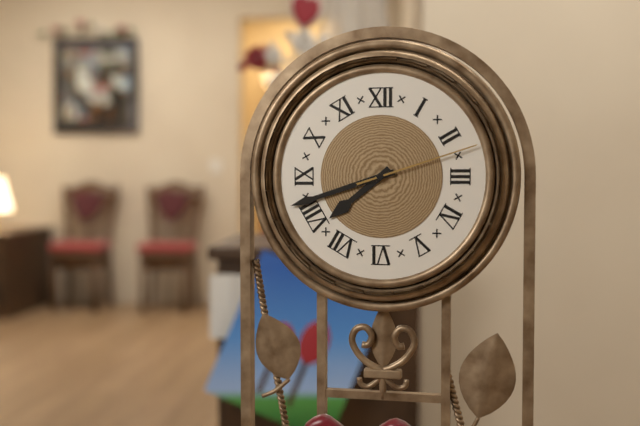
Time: {"hour": 7, "minute": 42, "second": 12}
